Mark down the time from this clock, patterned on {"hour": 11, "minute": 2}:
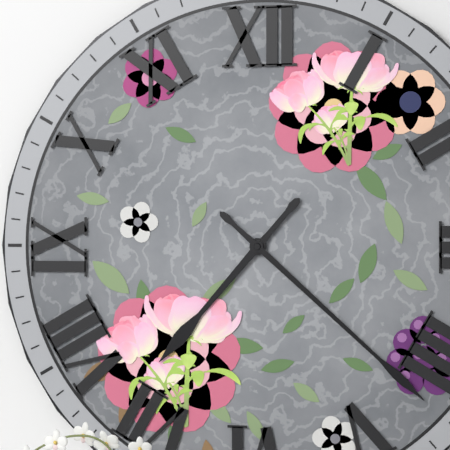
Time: {"hour": 7, "minute": 22}
